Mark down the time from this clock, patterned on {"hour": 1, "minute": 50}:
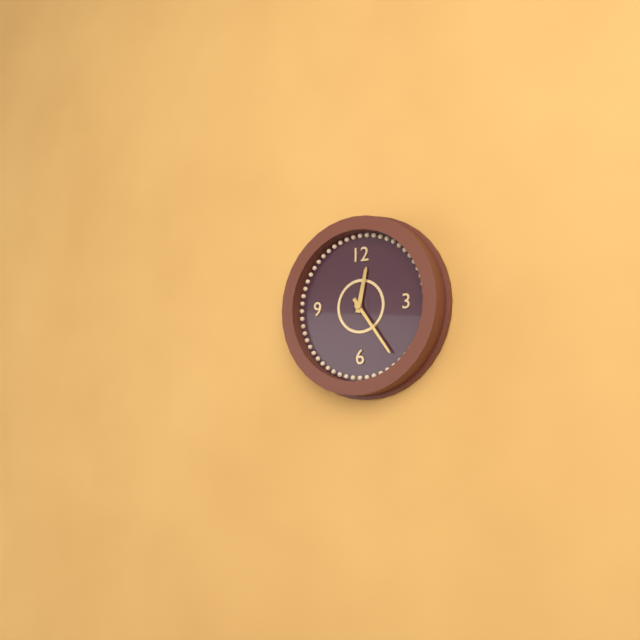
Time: {"hour": 12, "minute": 24}
